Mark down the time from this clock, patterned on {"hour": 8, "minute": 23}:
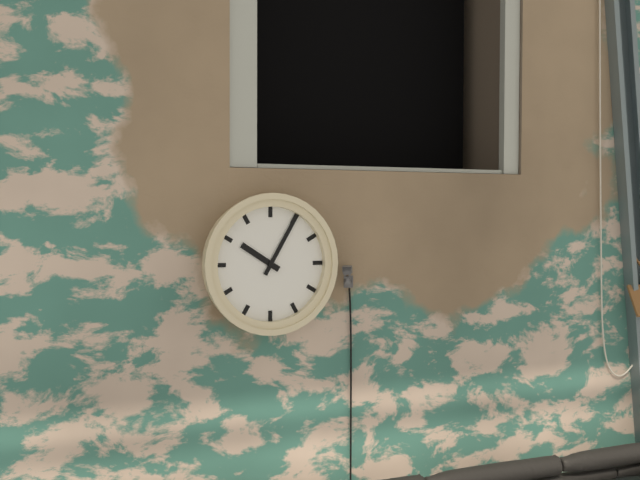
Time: {"hour": 10, "minute": 5}
